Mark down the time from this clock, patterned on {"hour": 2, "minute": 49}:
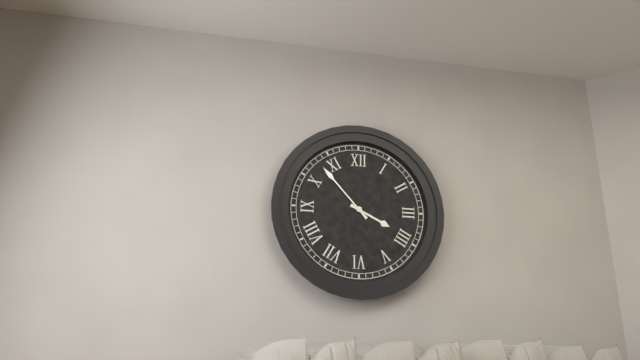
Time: {"hour": 3, "minute": 53}
